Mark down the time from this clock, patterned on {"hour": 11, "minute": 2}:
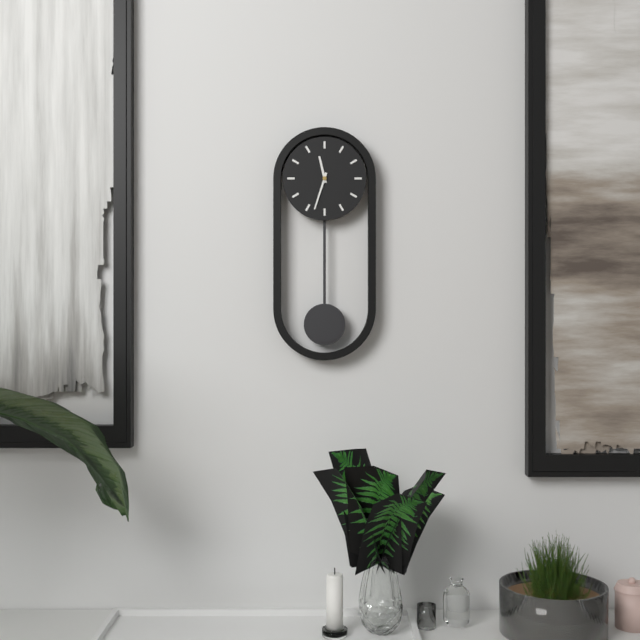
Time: {"hour": 11, "minute": 33}
